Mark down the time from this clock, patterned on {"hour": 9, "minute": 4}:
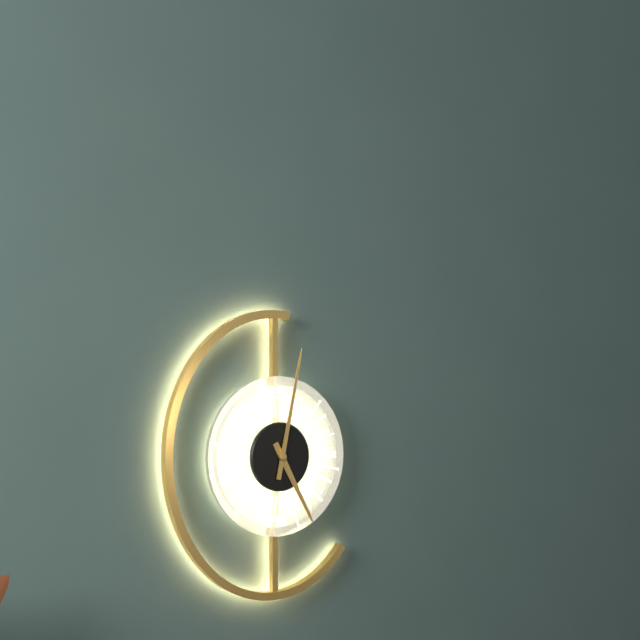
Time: {"hour": 5, "minute": 2}
